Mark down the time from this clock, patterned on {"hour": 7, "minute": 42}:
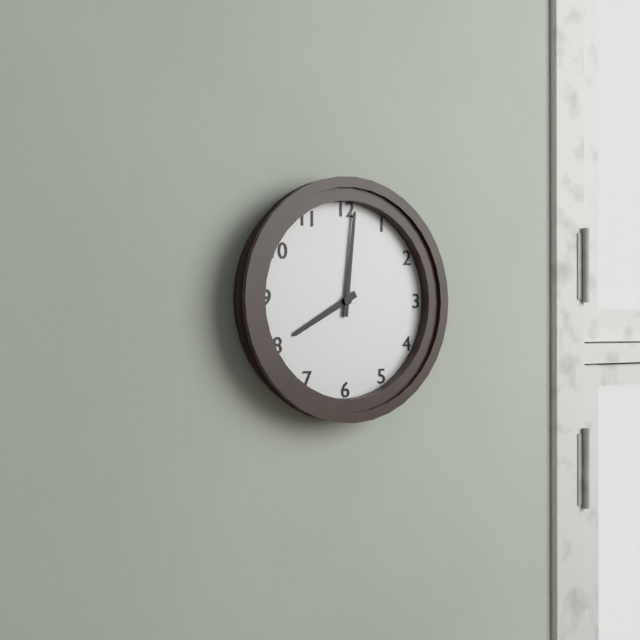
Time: {"hour": 8, "minute": 1}
